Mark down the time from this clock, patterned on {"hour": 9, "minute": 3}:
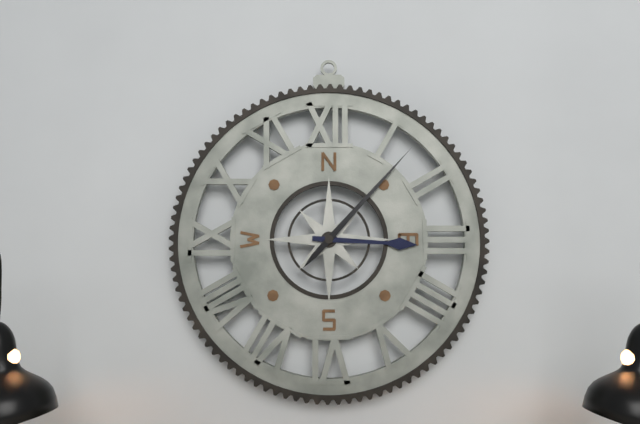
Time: {"hour": 3, "minute": 7}
